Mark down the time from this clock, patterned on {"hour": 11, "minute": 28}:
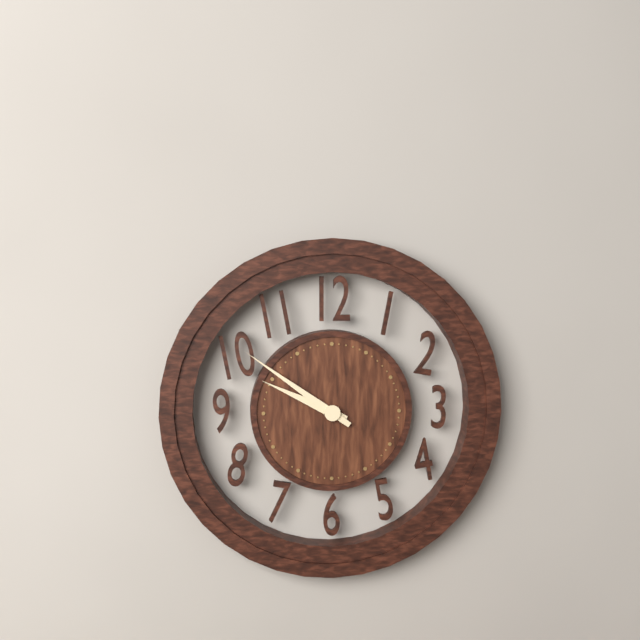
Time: {"hour": 9, "minute": 51}
